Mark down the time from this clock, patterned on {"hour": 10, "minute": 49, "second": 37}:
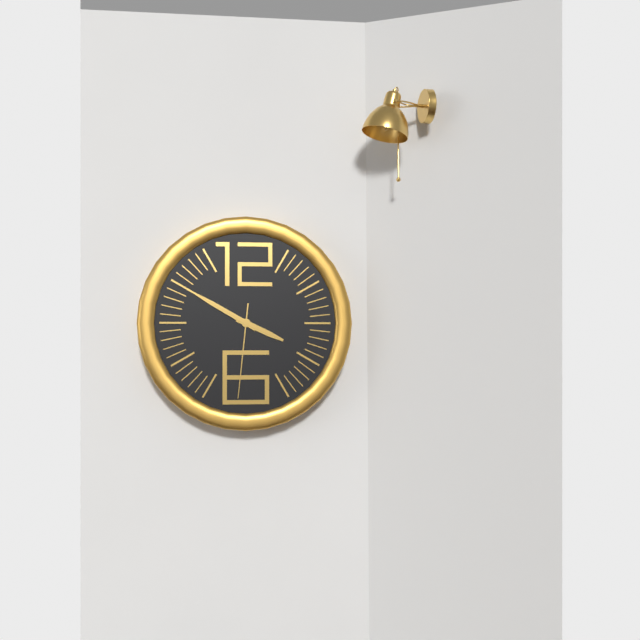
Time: {"hour": 3, "minute": 50, "second": 31}
